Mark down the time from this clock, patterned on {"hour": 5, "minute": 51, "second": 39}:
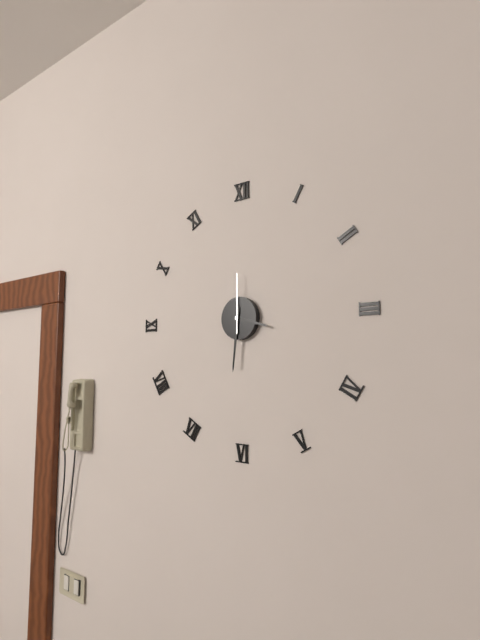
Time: {"hour": 3, "minute": 31, "second": 0}
